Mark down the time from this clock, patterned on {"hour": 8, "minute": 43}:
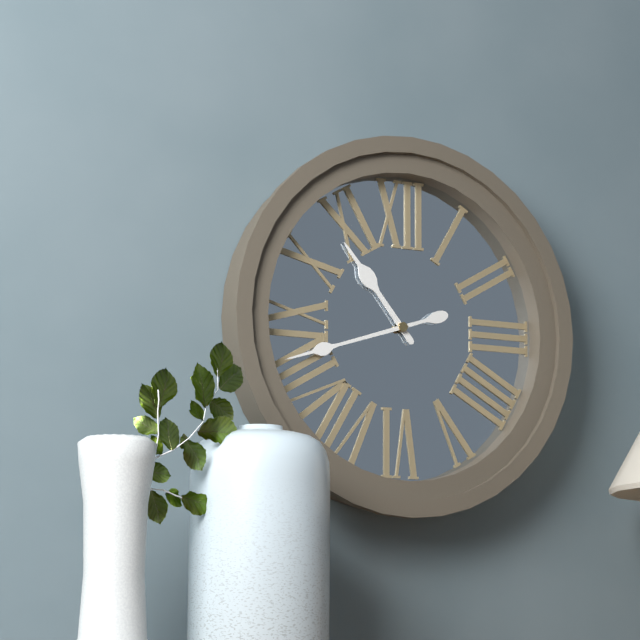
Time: {"hour": 10, "minute": 42}
